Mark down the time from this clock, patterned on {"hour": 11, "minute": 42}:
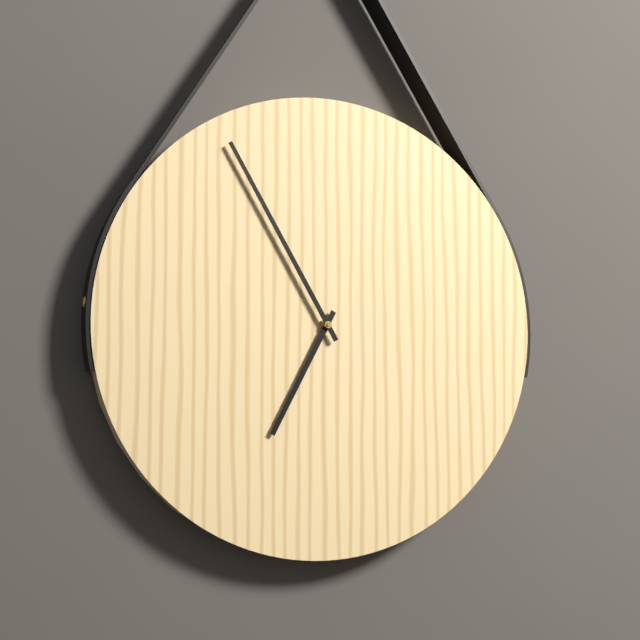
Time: {"hour": 6, "minute": 55}
